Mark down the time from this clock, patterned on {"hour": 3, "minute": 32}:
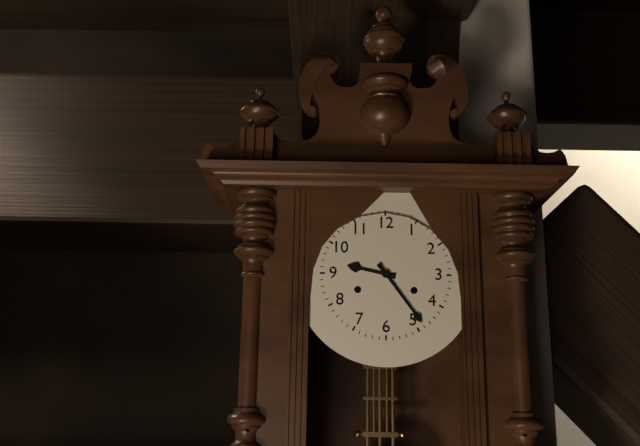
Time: {"hour": 9, "minute": 24}
